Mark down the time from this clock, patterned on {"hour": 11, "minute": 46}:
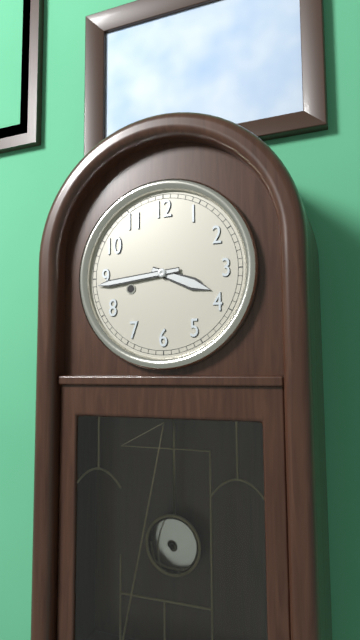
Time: {"hour": 3, "minute": 44}
